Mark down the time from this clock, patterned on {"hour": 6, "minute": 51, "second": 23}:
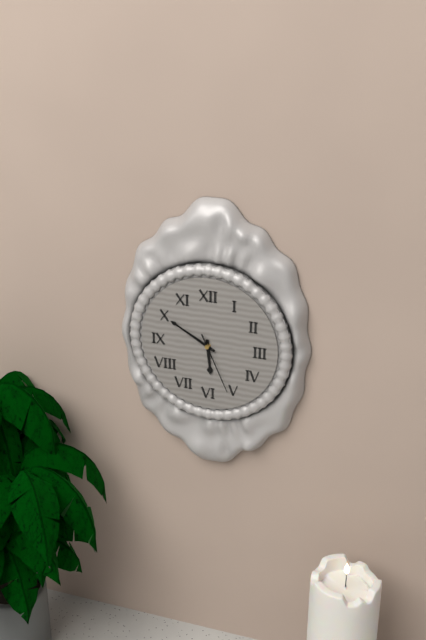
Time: {"hour": 5, "minute": 50, "second": 26}
